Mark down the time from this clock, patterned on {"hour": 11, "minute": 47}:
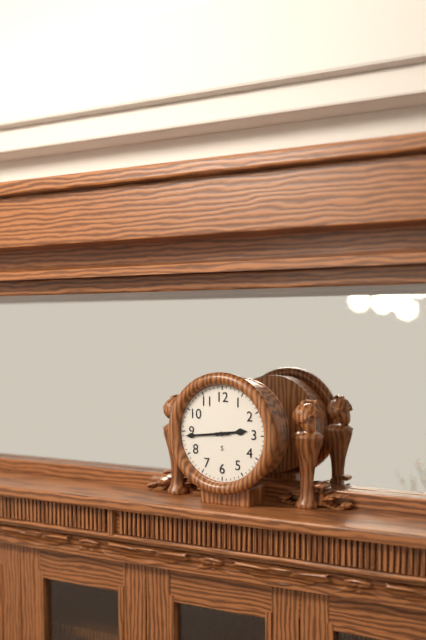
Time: {"hour": 2, "minute": 44}
